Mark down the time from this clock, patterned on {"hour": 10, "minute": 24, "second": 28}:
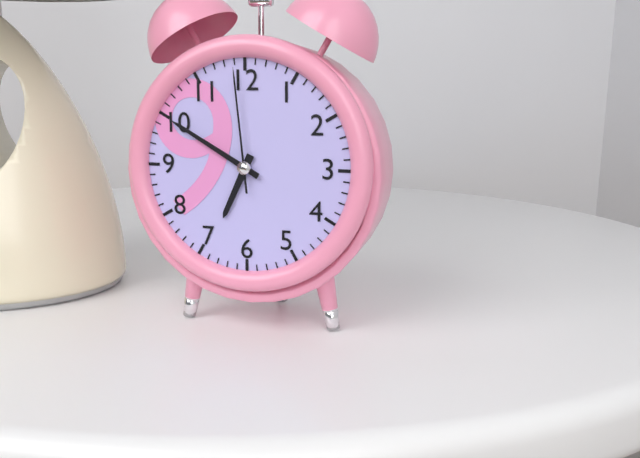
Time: {"hour": 6, "minute": 50, "second": 59}
